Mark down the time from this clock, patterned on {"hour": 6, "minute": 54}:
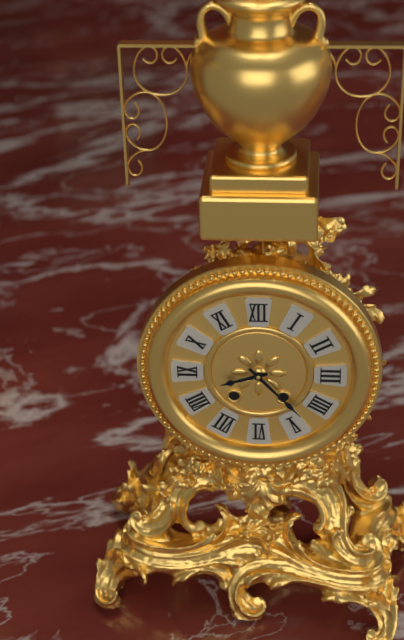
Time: {"hour": 8, "minute": 23}
